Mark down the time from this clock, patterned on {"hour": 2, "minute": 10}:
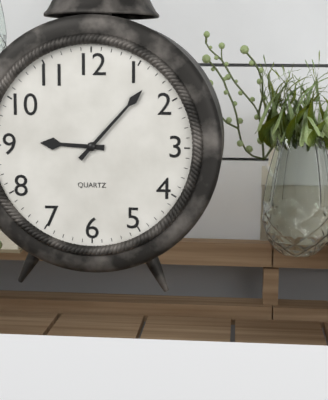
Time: {"hour": 9, "minute": 7}
